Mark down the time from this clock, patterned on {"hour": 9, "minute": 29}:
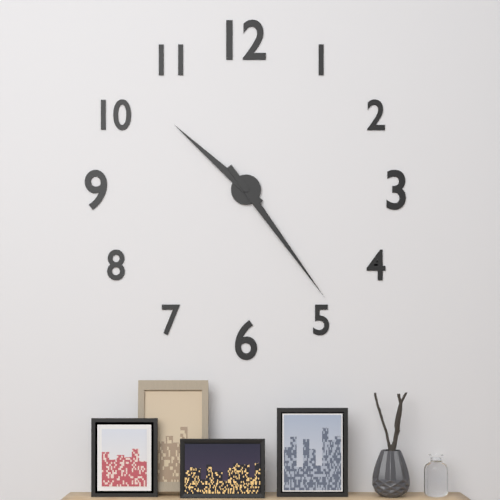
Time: {"hour": 10, "minute": 24}
